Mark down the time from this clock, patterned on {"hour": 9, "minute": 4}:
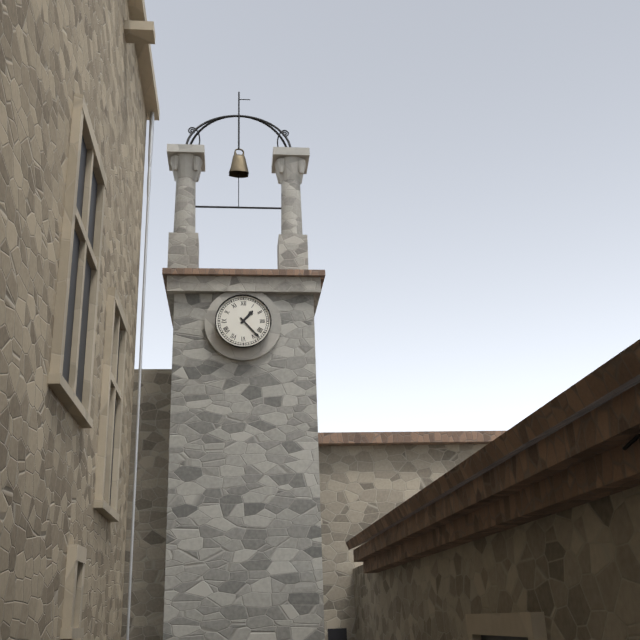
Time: {"hour": 1, "minute": 23}
